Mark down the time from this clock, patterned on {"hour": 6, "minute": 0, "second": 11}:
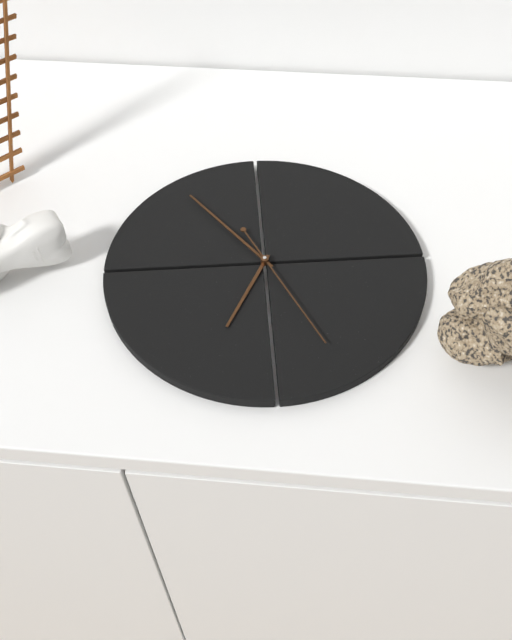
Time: {"hour": 6, "minute": 54, "second": 26}
